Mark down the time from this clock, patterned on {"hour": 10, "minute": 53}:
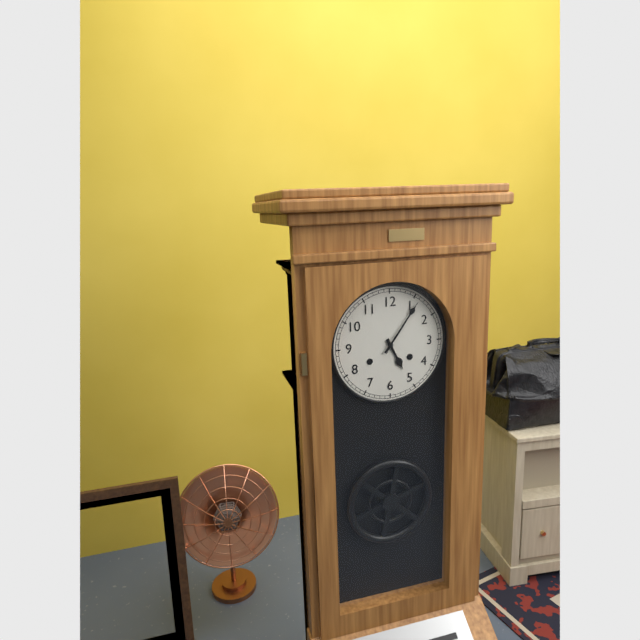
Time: {"hour": 5, "minute": 6}
